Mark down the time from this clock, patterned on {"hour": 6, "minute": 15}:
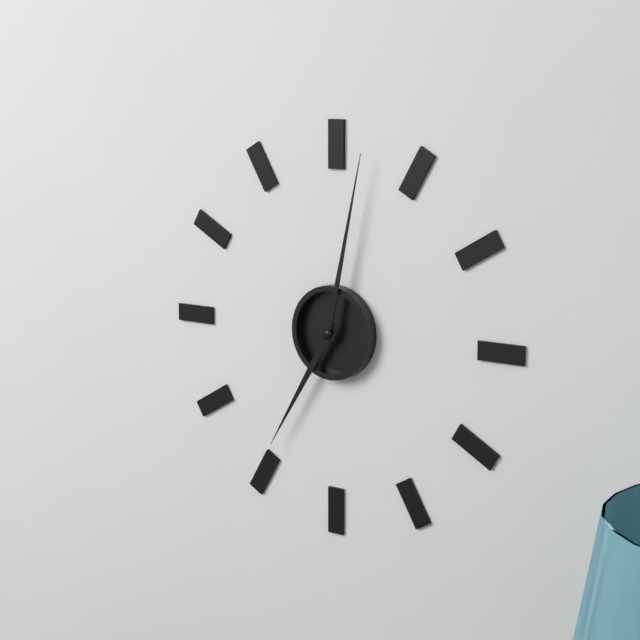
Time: {"hour": 7, "minute": 2}
